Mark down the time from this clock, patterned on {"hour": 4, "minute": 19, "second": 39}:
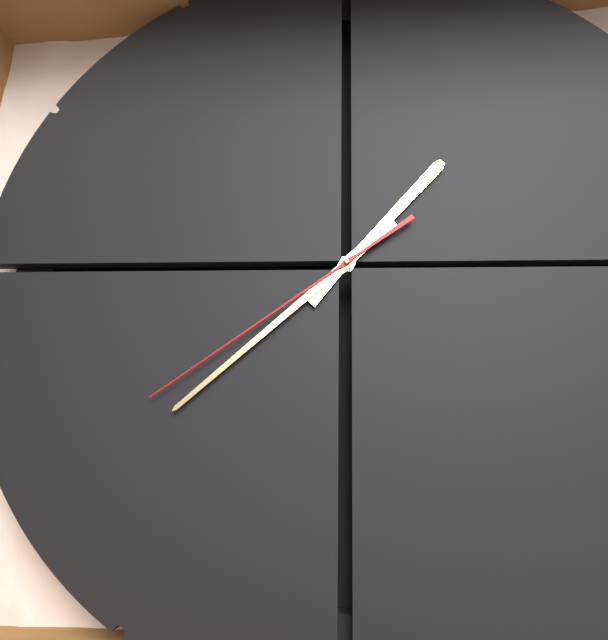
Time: {"hour": 10, "minute": 23, "second": 24}
